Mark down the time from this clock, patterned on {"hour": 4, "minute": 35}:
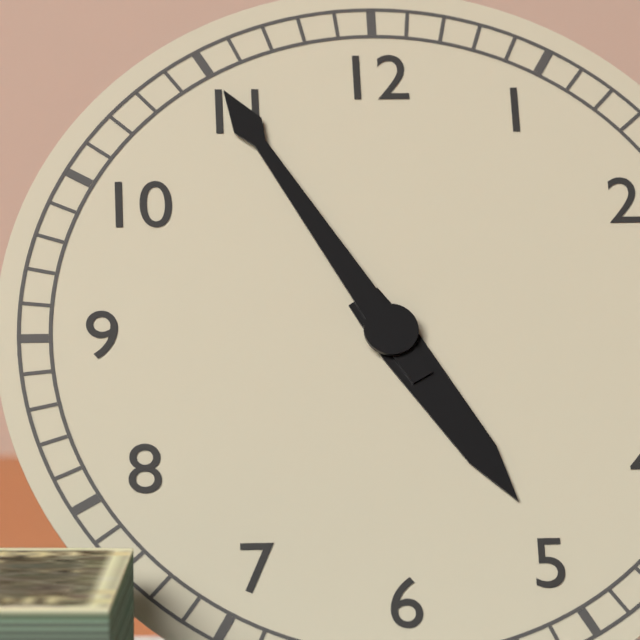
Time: {"hour": 4, "minute": 55}
